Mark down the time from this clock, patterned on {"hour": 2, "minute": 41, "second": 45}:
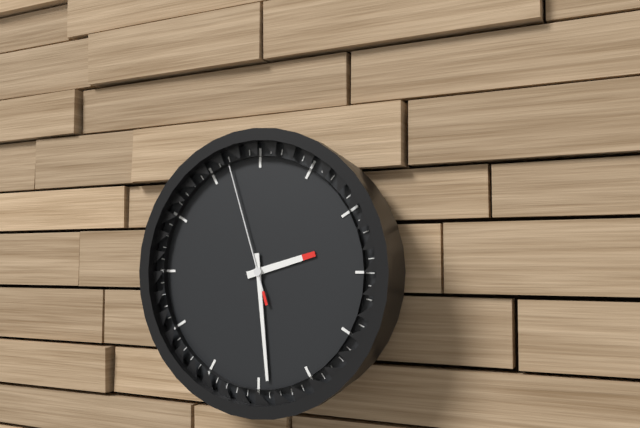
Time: {"hour": 2, "minute": 29, "second": 57}
